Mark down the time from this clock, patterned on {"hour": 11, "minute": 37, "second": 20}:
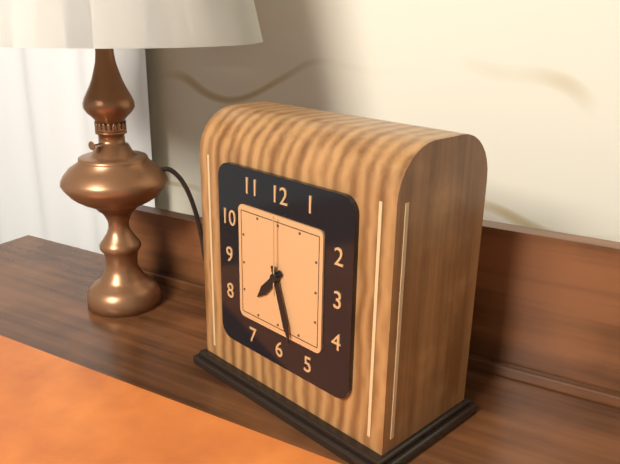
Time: {"hour": 7, "minute": 27, "second": 0}
